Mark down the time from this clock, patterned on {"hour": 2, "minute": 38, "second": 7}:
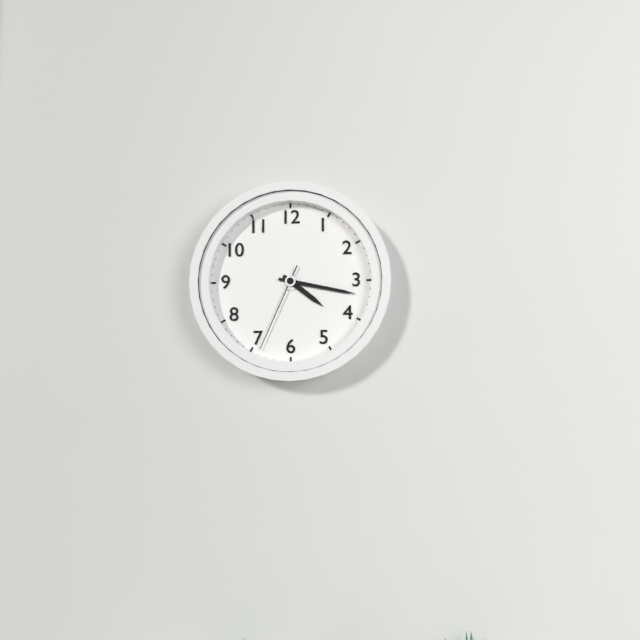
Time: {"hour": 4, "minute": 17, "second": 34}
